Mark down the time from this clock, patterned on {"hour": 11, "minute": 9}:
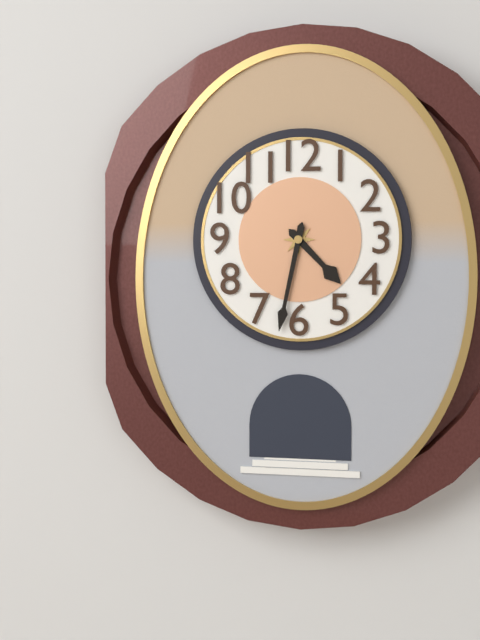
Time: {"hour": 4, "minute": 32}
